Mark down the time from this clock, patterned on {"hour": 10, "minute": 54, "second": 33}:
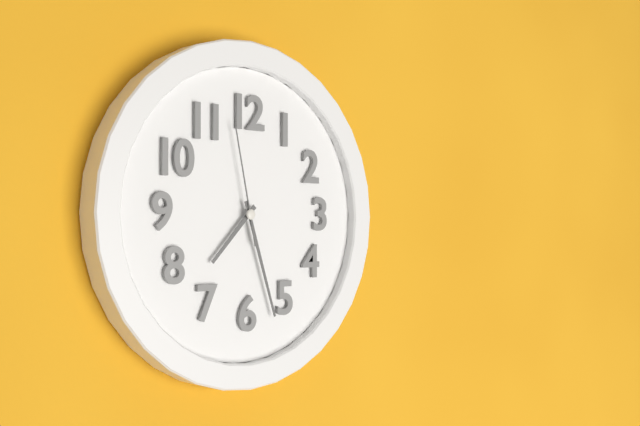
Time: {"hour": 7, "minute": 27, "second": 58}
